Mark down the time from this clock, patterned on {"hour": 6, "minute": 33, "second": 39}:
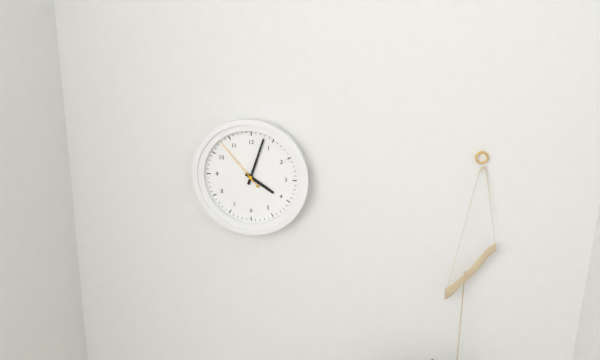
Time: {"hour": 4, "minute": 3, "second": 53}
